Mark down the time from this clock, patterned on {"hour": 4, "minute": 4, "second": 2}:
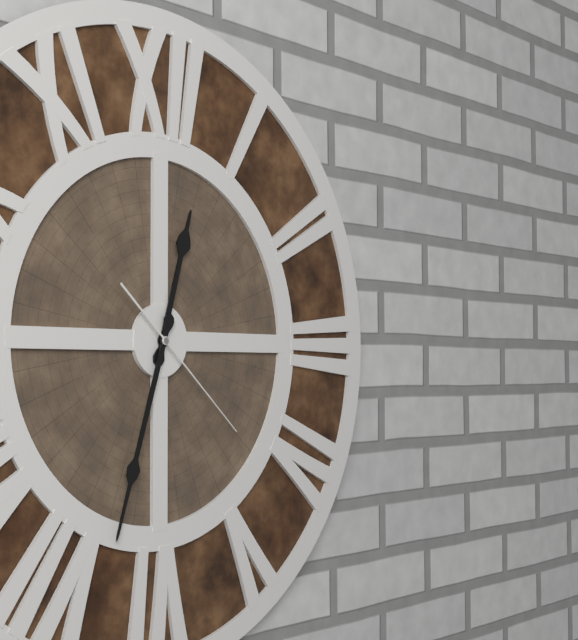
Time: {"hour": 12, "minute": 33, "second": 22}
